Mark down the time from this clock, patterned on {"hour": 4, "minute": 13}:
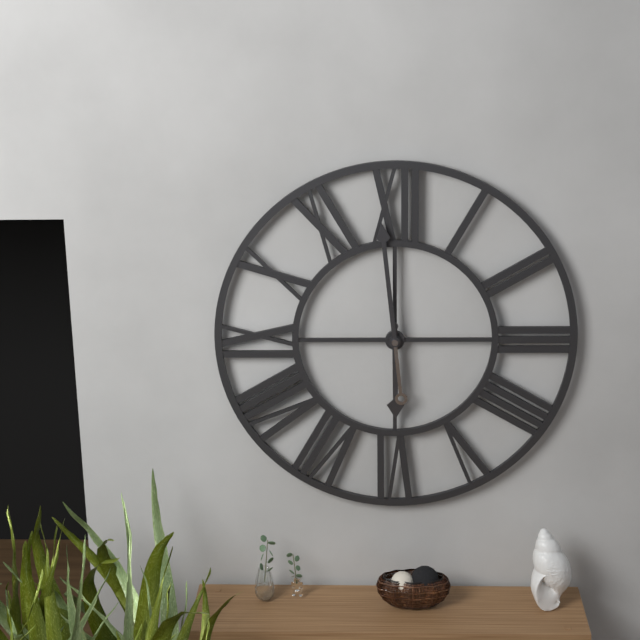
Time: {"hour": 5, "minute": 59}
